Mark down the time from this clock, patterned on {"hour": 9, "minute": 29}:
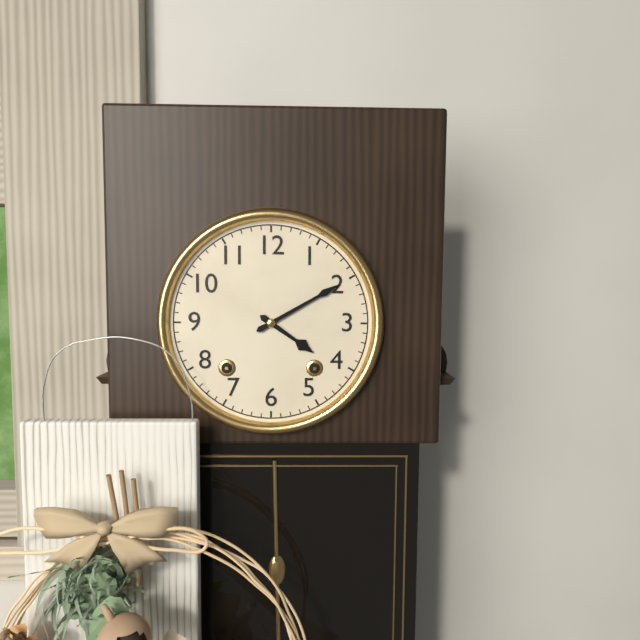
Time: {"hour": 4, "minute": 10}
